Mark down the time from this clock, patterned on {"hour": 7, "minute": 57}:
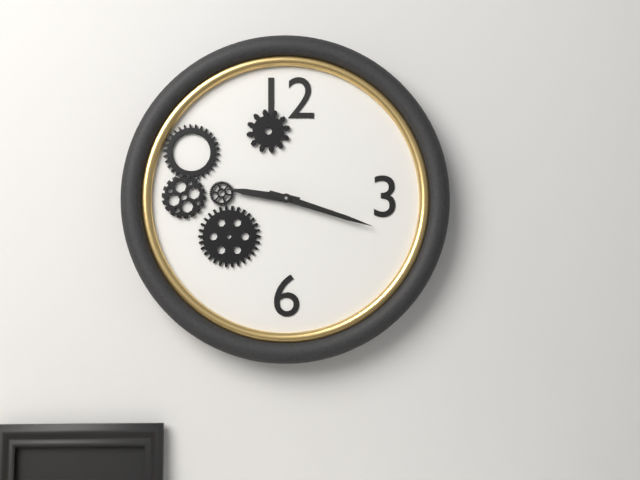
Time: {"hour": 9, "minute": 18}
